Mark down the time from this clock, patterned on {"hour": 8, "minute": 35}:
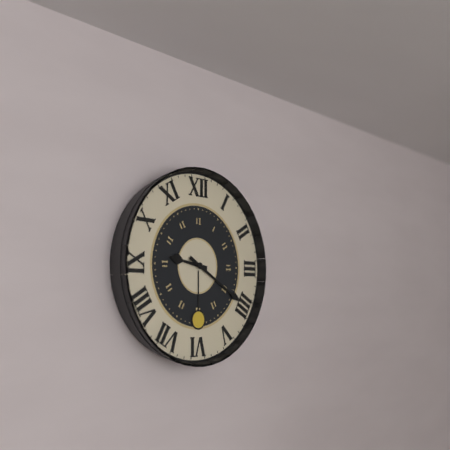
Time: {"hour": 9, "minute": 20}
